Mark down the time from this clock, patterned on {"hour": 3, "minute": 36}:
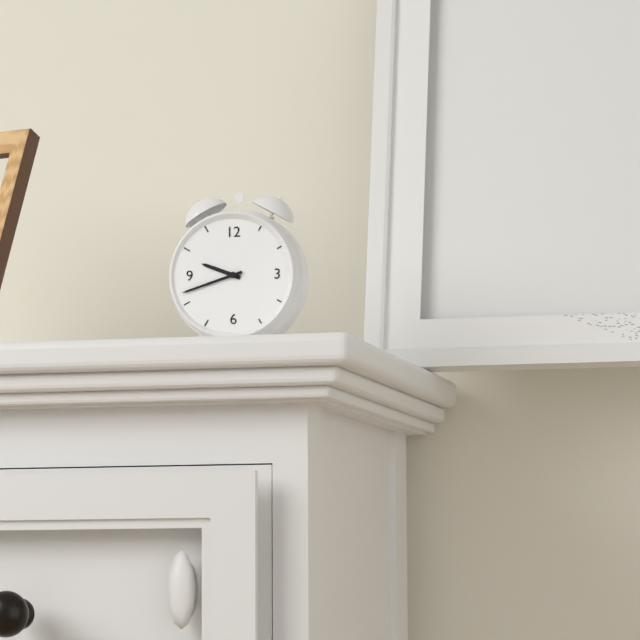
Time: {"hour": 9, "minute": 42}
